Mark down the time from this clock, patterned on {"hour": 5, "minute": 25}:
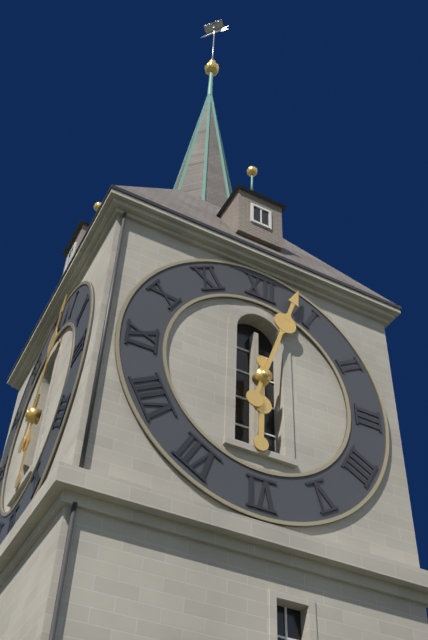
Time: {"hour": 6, "minute": 3}
